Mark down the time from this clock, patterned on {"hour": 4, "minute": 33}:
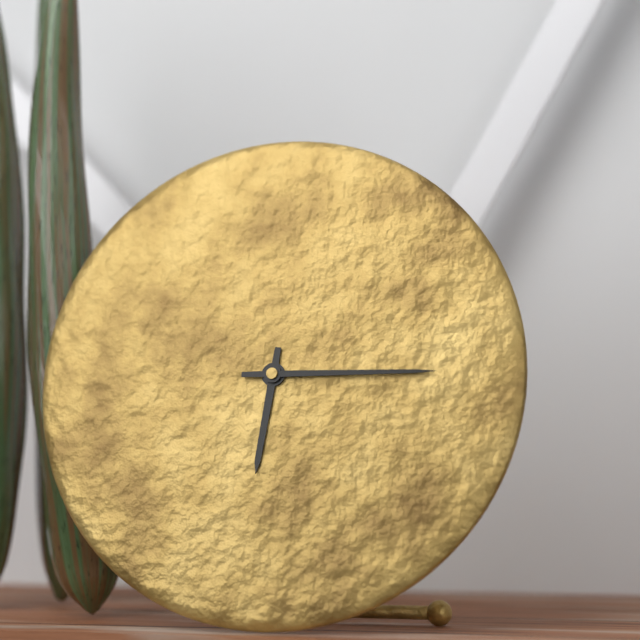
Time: {"hour": 6, "minute": 15}
